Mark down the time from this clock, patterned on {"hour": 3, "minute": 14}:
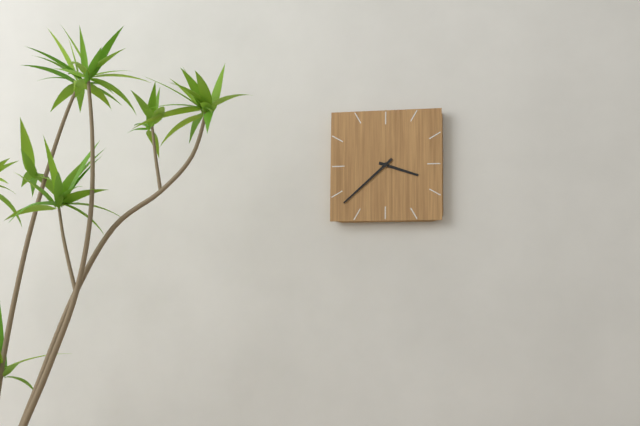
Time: {"hour": 3, "minute": 38}
